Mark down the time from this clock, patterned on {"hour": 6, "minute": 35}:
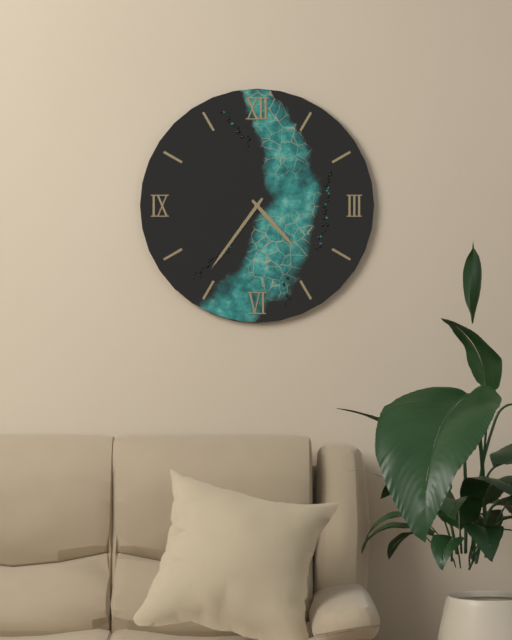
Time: {"hour": 4, "minute": 36}
